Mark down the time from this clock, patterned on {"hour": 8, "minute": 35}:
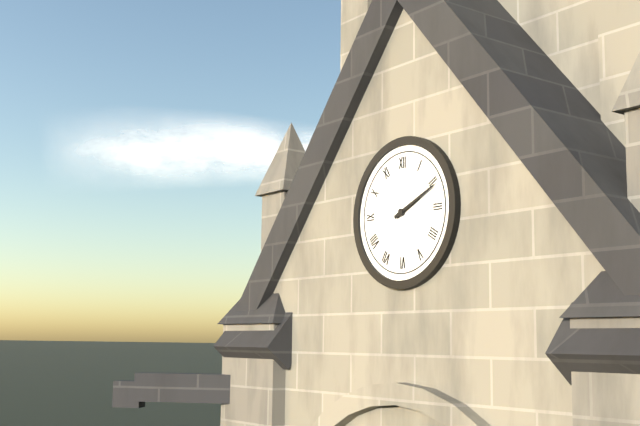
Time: {"hour": 2, "minute": 11}
